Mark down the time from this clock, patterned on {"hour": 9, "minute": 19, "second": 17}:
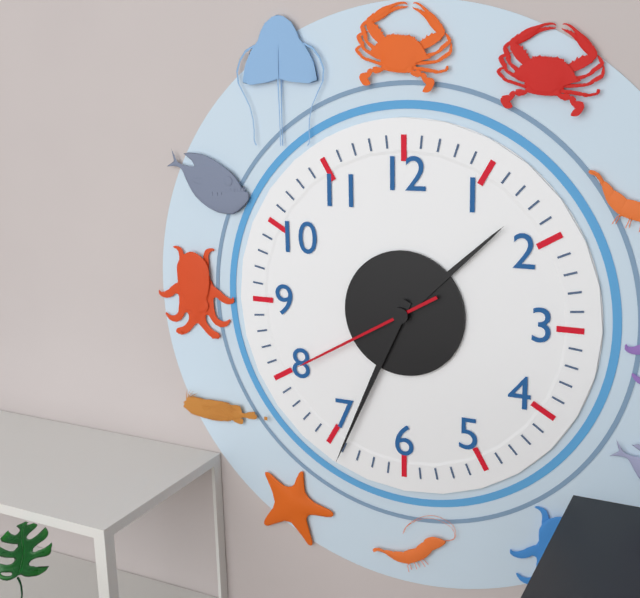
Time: {"hour": 1, "minute": 34, "second": 40}
